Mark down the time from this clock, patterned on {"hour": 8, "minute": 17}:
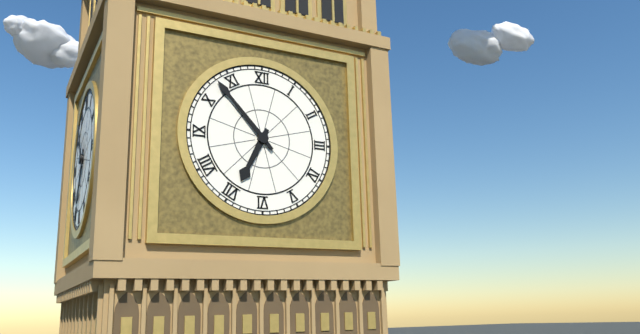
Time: {"hour": 6, "minute": 53}
